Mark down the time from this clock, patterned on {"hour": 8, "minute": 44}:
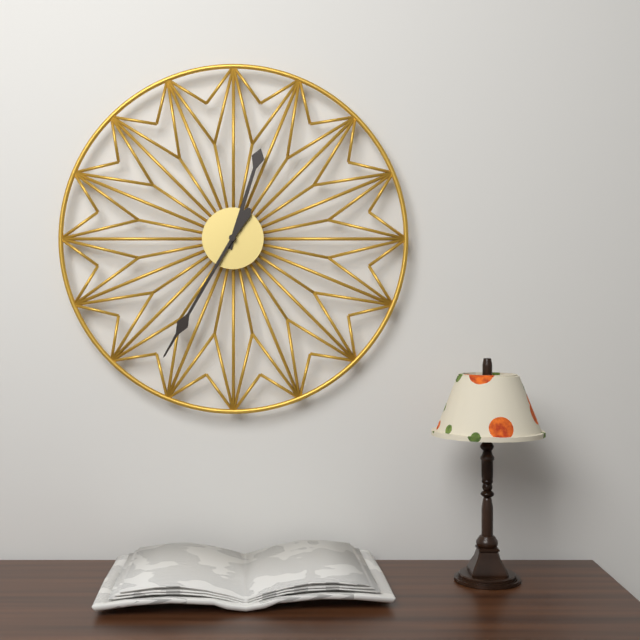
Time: {"hour": 12, "minute": 35}
